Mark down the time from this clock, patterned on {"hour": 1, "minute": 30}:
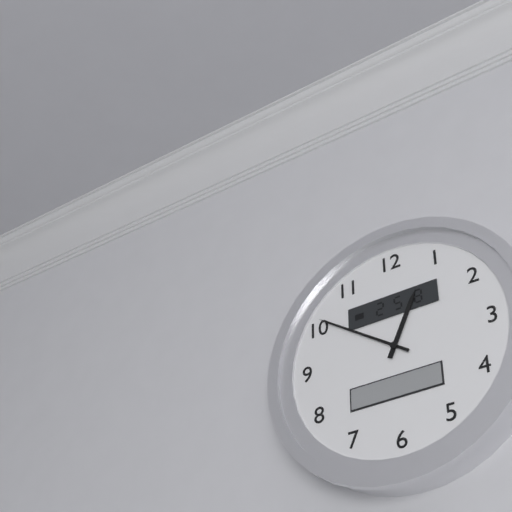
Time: {"hour": 12, "minute": 51}
